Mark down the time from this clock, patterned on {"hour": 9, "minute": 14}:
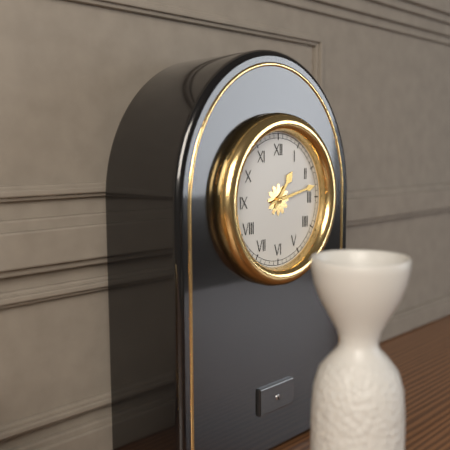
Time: {"hour": 1, "minute": 13}
